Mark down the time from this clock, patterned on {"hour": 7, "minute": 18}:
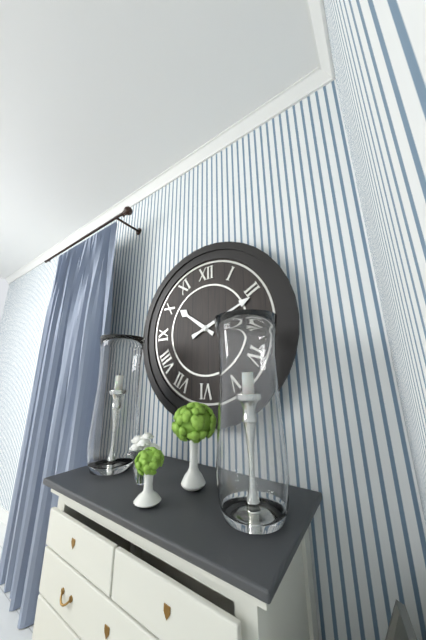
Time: {"hour": 10, "minute": 11}
